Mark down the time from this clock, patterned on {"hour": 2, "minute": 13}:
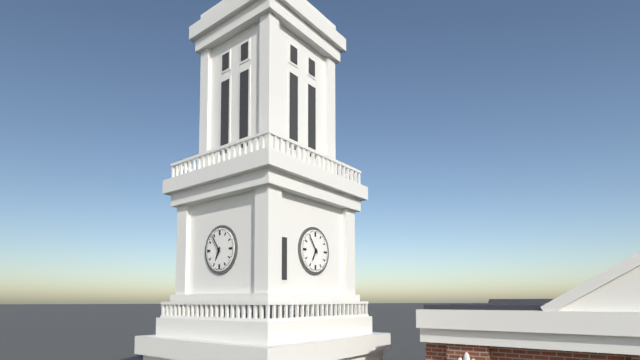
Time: {"hour": 6, "minute": 54}
